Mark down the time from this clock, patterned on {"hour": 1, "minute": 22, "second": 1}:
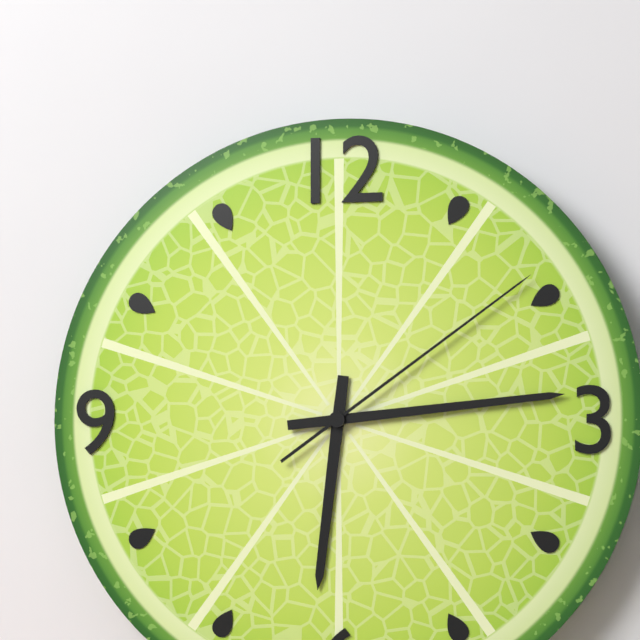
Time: {"hour": 6, "minute": 14, "second": 9}
